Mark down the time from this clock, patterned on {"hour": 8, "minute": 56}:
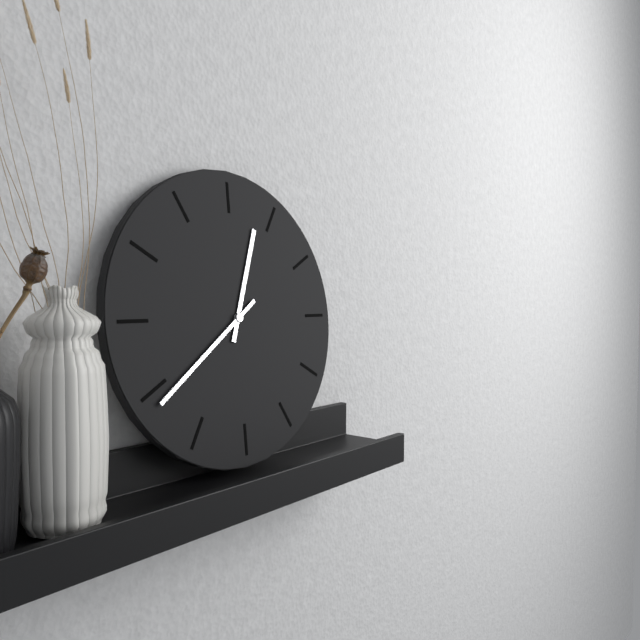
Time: {"hour": 12, "minute": 39}
